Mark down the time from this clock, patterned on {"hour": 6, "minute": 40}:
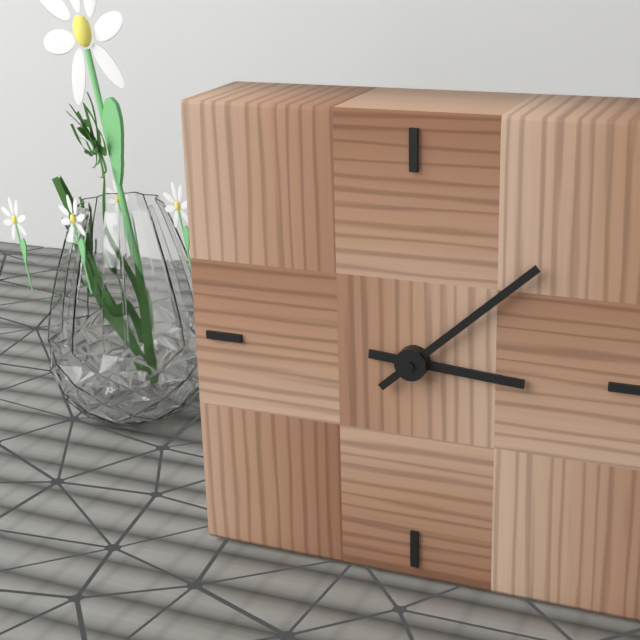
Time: {"hour": 3, "minute": 8}
